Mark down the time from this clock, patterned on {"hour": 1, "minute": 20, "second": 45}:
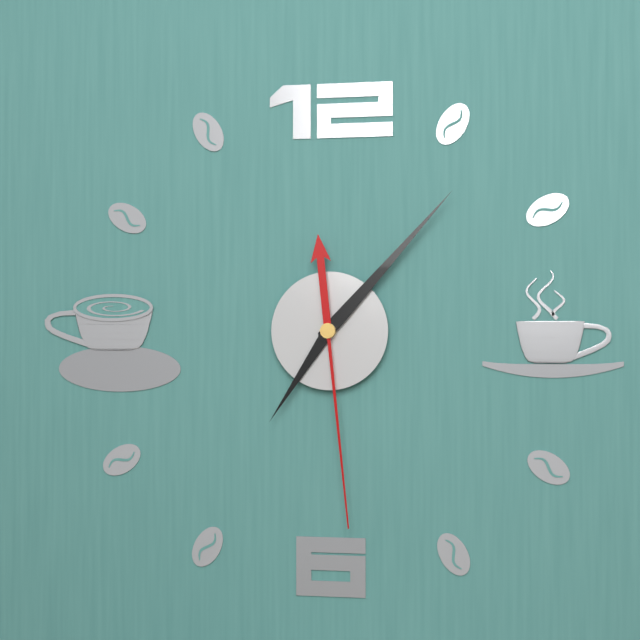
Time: {"hour": 7, "minute": 7, "second": 29}
